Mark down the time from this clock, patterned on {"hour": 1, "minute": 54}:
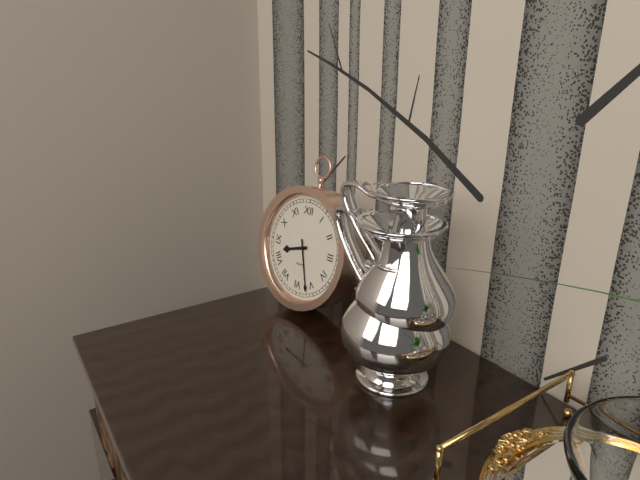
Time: {"hour": 8, "minute": 27}
